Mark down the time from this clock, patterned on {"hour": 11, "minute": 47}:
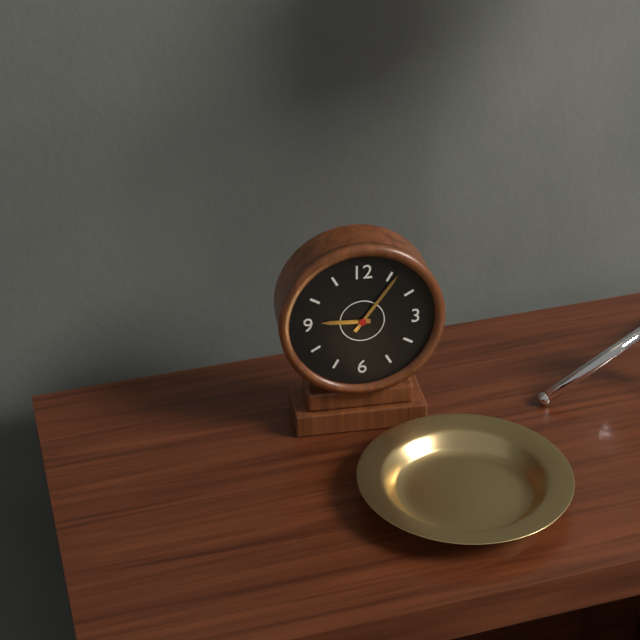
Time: {"hour": 9, "minute": 6}
